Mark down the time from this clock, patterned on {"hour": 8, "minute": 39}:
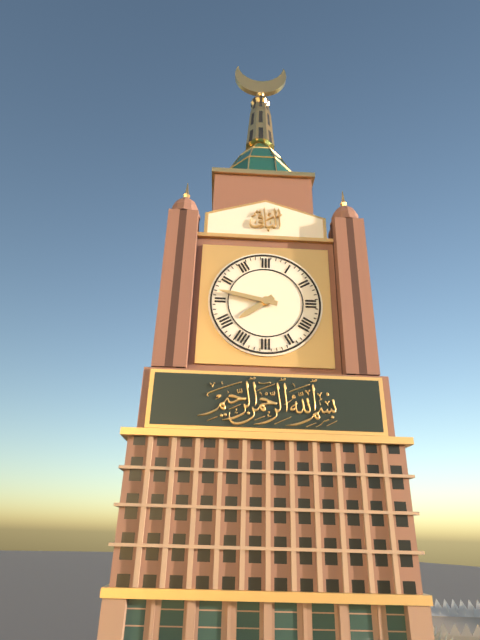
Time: {"hour": 7, "minute": 47}
